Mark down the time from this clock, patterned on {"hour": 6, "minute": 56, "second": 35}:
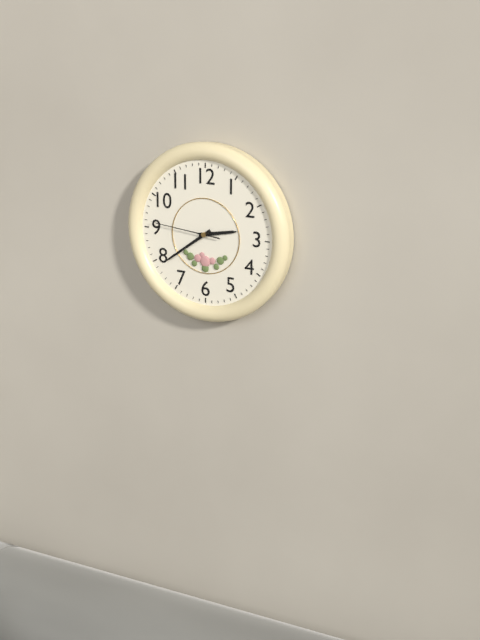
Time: {"hour": 2, "minute": 39, "second": 46}
